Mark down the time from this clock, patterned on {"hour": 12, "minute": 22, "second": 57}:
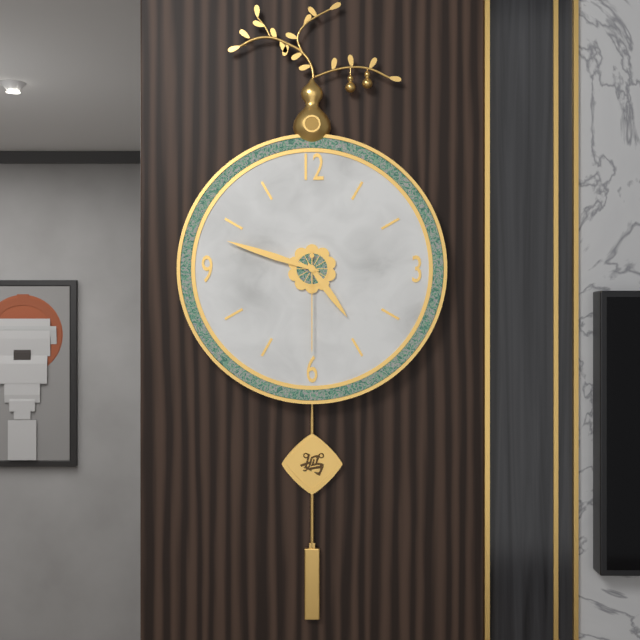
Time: {"hour": 4, "minute": 48, "second": 30}
